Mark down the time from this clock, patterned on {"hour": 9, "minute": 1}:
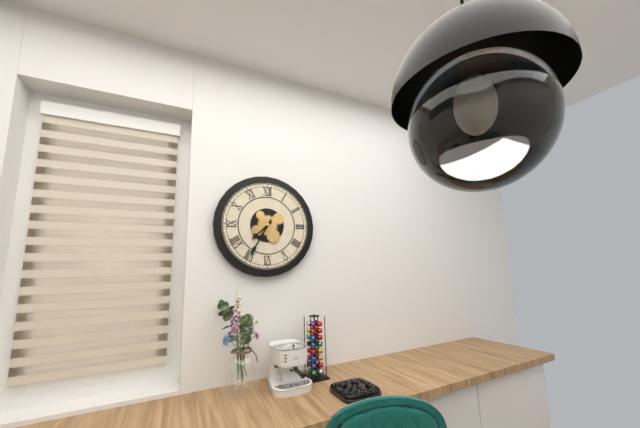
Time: {"hour": 7, "minute": 35}
